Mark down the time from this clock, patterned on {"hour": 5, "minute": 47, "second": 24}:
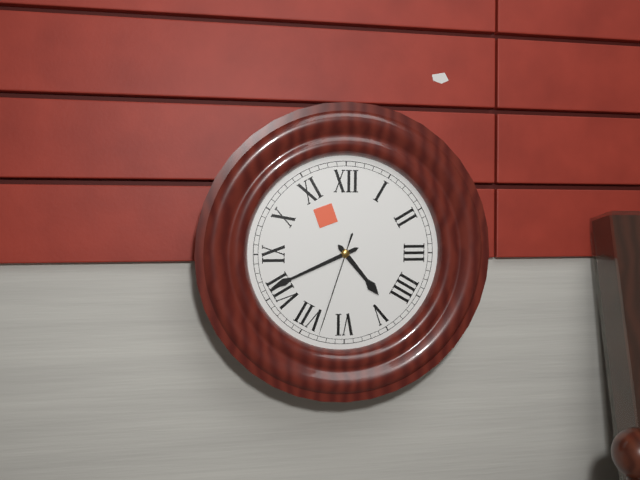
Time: {"hour": 4, "minute": 41, "second": 33}
